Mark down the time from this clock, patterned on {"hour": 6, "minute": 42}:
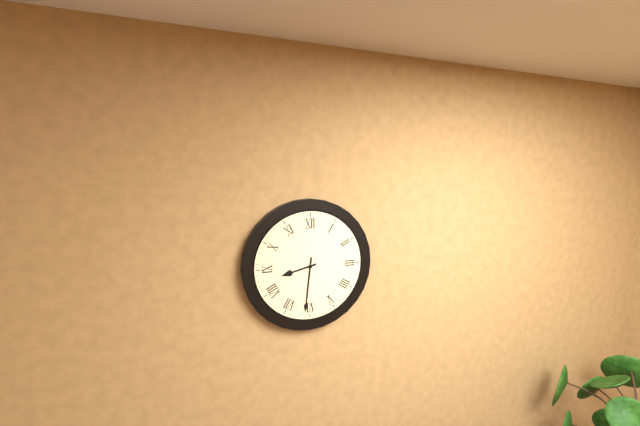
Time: {"hour": 8, "minute": 31}
